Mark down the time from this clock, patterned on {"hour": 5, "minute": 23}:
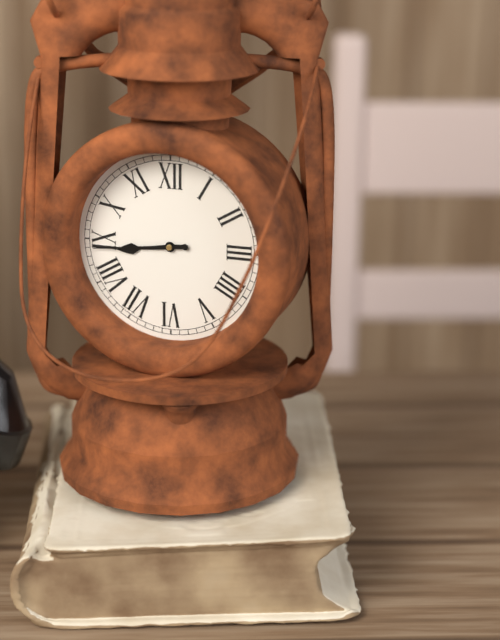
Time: {"hour": 8, "minute": 44}
